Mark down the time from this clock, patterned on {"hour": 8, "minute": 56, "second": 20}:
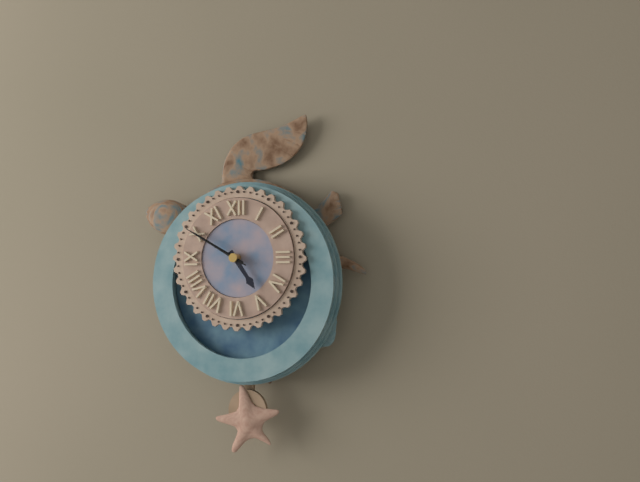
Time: {"hour": 4, "minute": 50, "second": 50}
